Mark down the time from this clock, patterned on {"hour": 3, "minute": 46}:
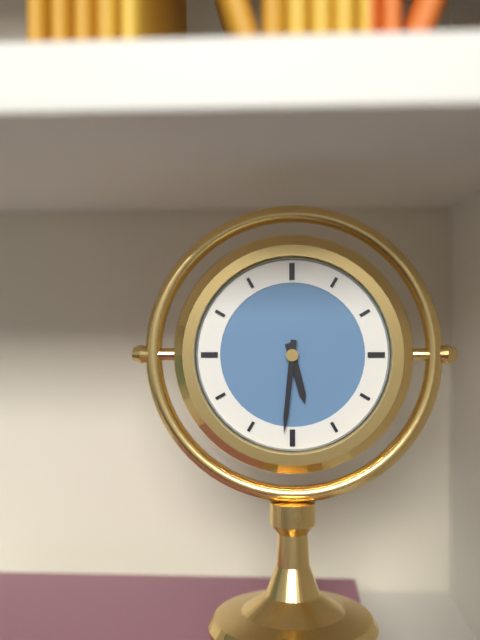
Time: {"hour": 5, "minute": 31}
